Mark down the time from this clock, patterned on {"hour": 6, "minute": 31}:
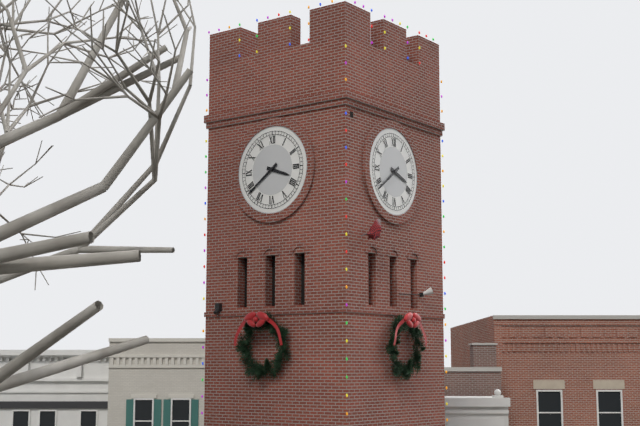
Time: {"hour": 3, "minute": 39}
